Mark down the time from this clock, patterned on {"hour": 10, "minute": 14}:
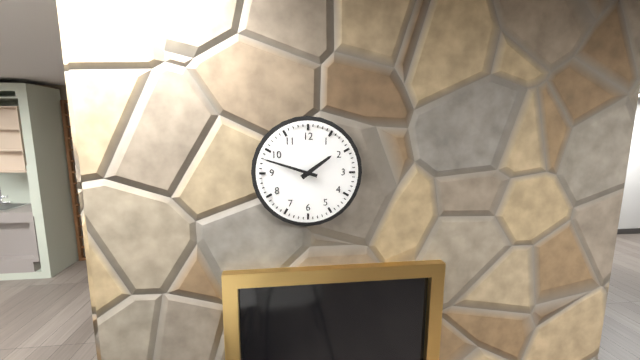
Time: {"hour": 1, "minute": 48}
